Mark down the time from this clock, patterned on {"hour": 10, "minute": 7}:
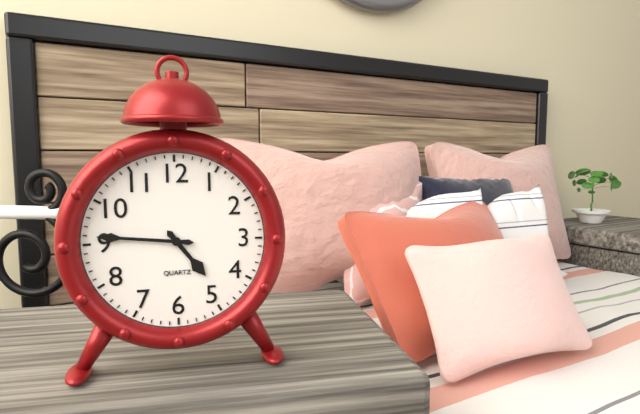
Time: {"hour": 4, "minute": 46}
